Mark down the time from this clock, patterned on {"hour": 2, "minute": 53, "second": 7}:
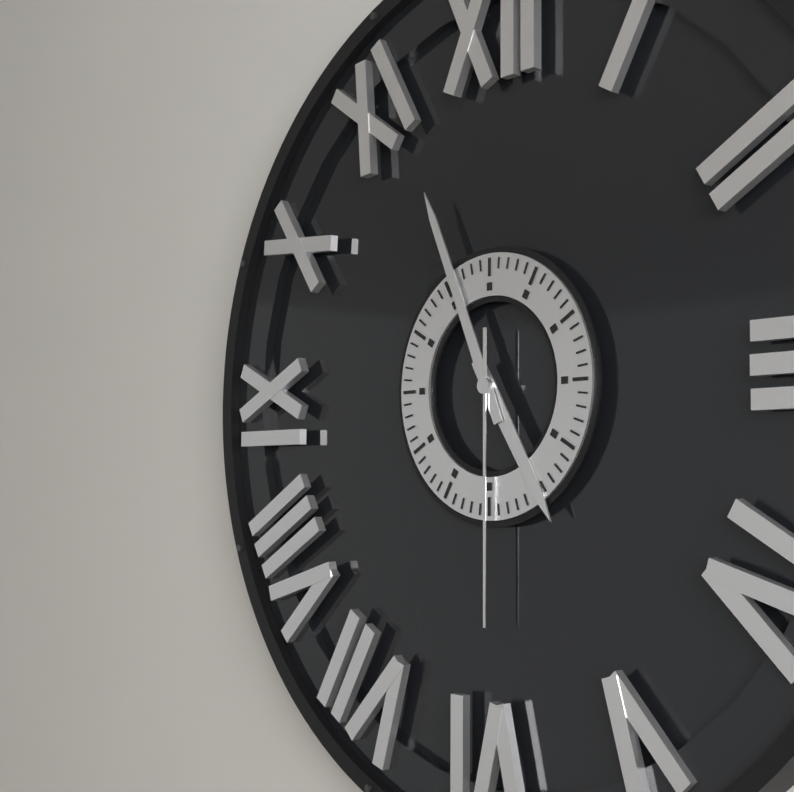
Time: {"hour": 4, "minute": 56, "second": 30}
